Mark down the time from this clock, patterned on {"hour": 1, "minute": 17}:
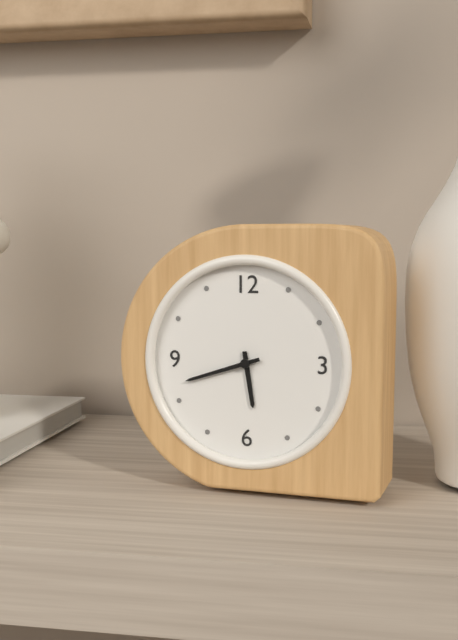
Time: {"hour": 5, "minute": 42}
